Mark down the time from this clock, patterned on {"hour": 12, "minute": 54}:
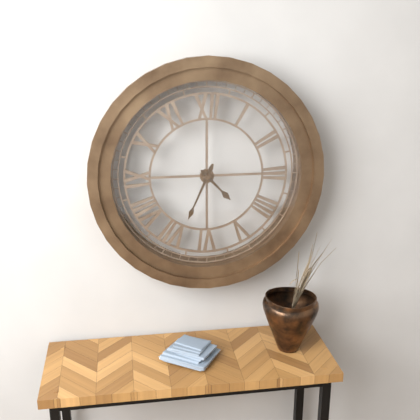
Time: {"hour": 4, "minute": 34}
